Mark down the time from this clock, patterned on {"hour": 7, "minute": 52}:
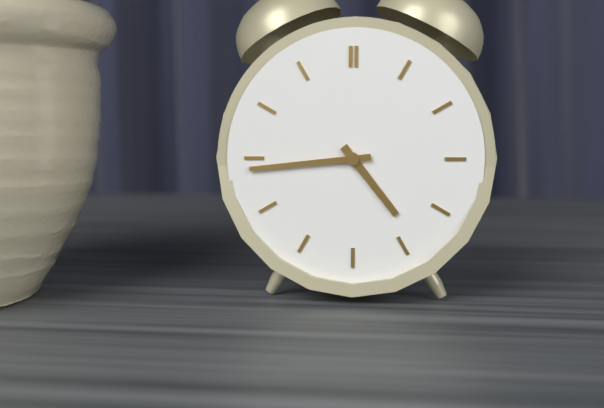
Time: {"hour": 4, "minute": 44}
